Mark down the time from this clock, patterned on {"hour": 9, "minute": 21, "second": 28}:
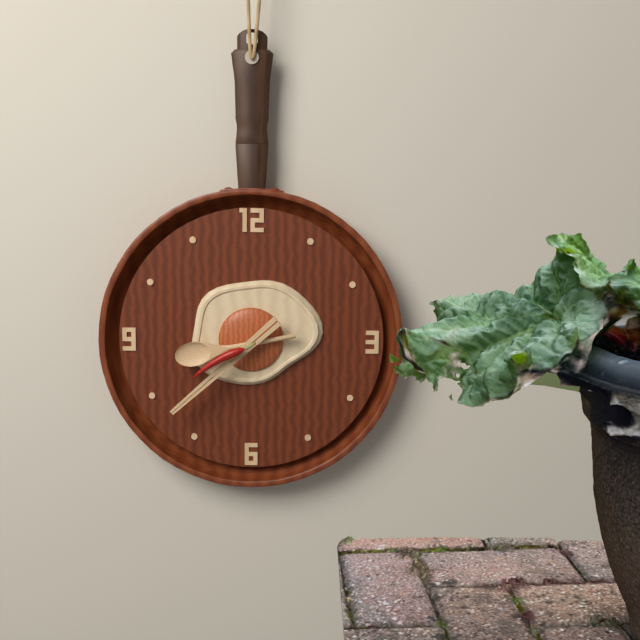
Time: {"hour": 8, "minute": 38, "second": 40}
